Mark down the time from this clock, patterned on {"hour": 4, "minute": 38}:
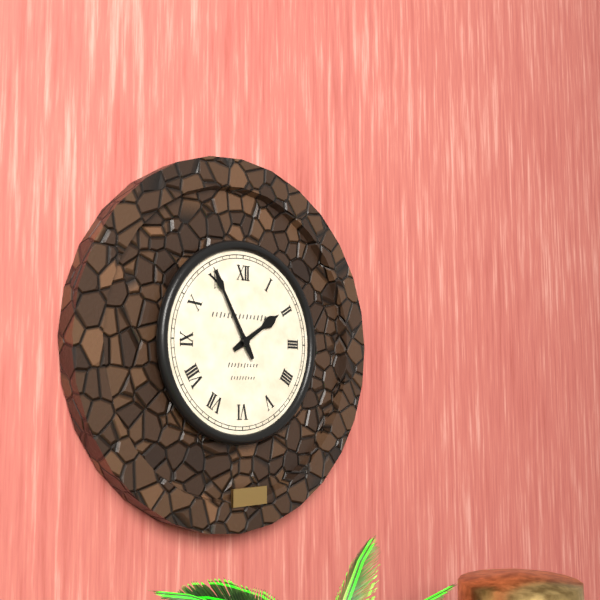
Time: {"hour": 1, "minute": 55}
